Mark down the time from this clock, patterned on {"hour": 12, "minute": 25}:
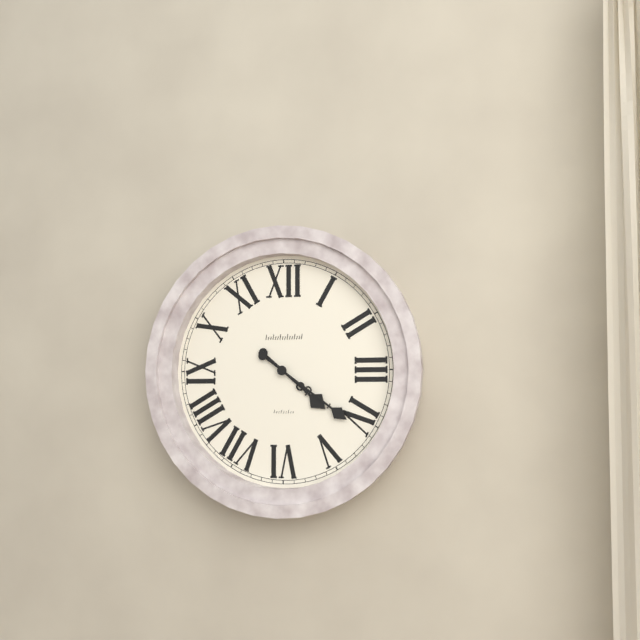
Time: {"hour": 4, "minute": 21}
